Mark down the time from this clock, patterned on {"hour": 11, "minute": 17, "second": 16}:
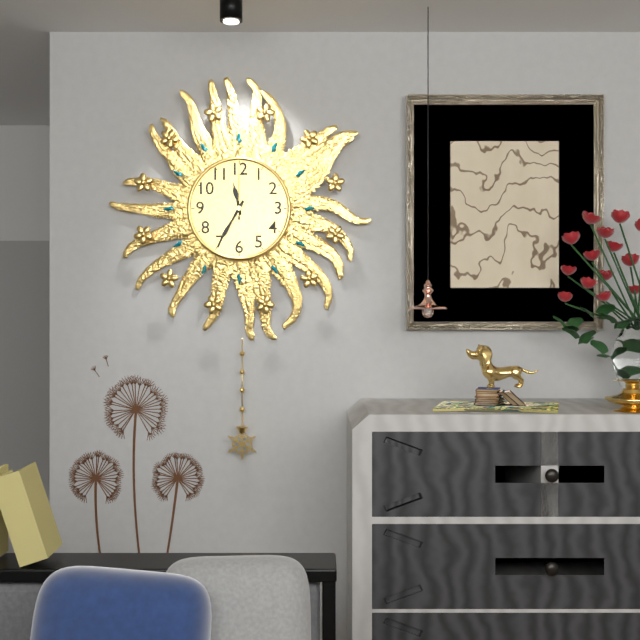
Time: {"hour": 11, "minute": 35, "second": 0}
